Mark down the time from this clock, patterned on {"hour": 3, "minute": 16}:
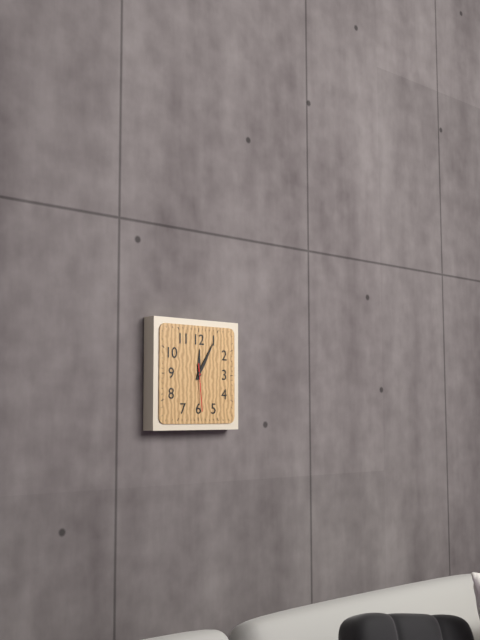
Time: {"hour": 12, "minute": 5}
